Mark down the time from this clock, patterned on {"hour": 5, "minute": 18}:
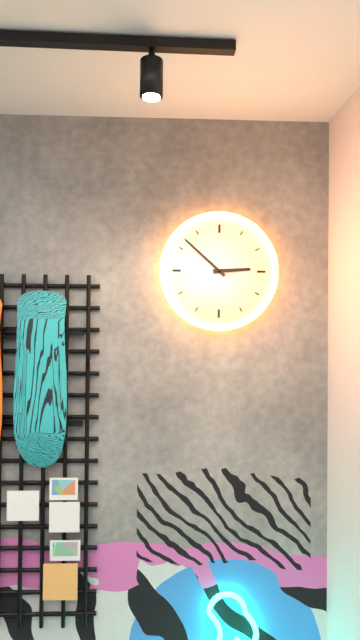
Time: {"hour": 2, "minute": 52}
